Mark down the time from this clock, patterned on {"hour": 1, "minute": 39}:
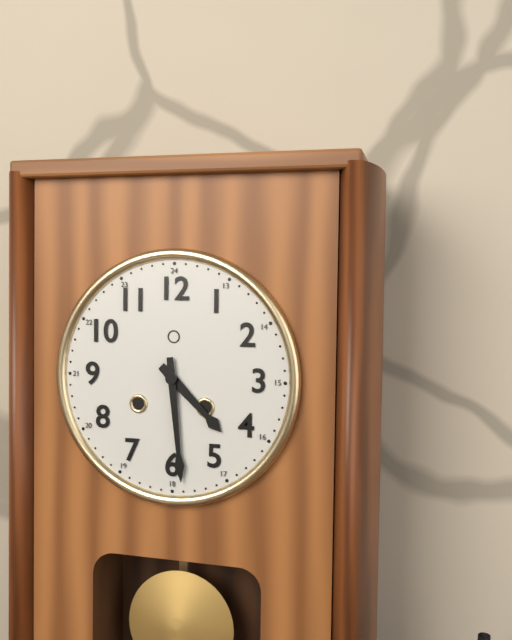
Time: {"hour": 4, "minute": 29}
